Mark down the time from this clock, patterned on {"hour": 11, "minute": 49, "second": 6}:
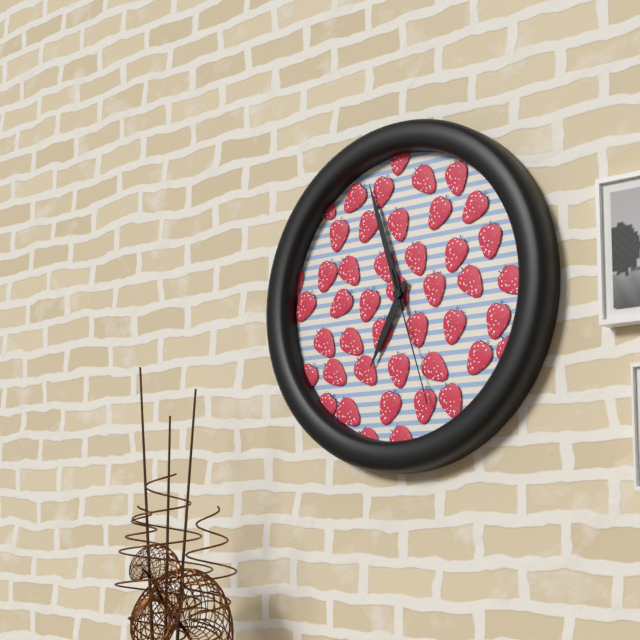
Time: {"hour": 6, "minute": 57, "second": 27}
